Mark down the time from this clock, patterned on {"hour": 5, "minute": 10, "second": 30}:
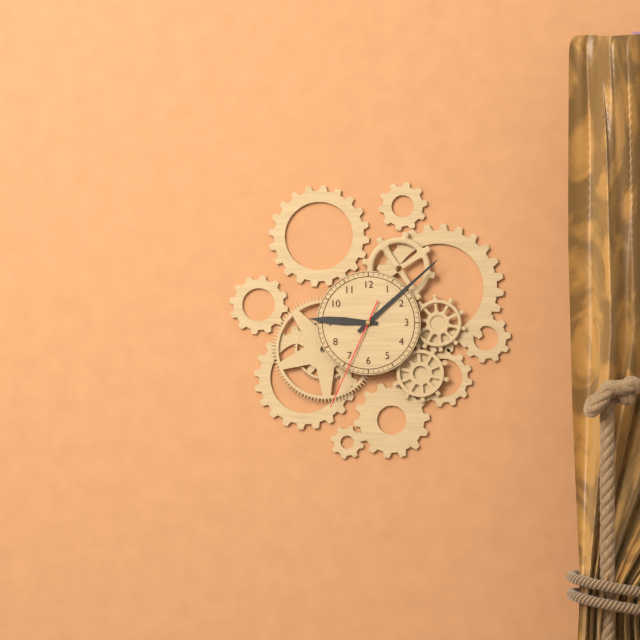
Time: {"hour": 9, "minute": 8, "second": 34}
